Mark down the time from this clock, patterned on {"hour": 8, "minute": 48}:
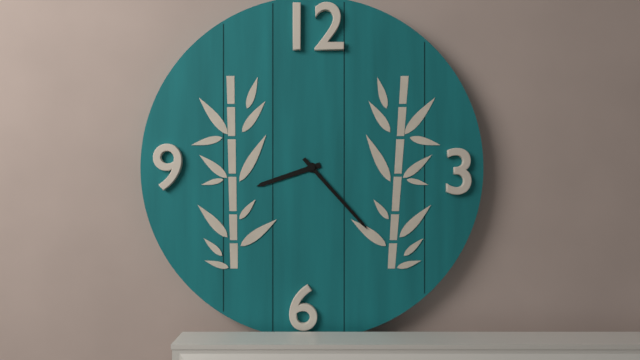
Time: {"hour": 8, "minute": 23}
